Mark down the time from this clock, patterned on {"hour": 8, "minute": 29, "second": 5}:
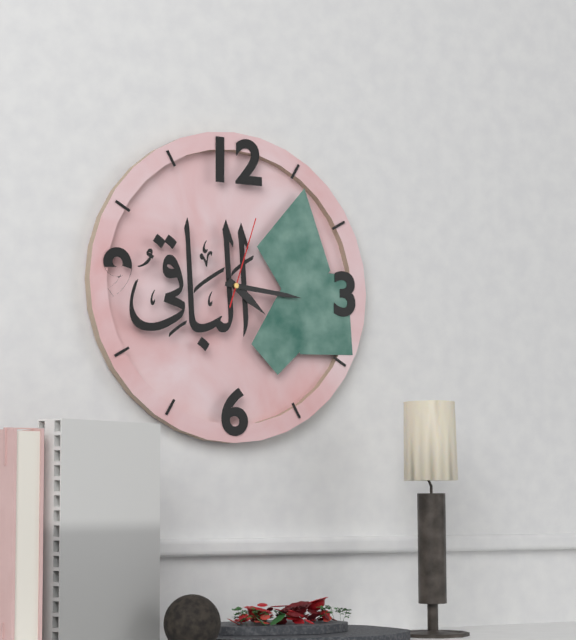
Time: {"hour": 4, "minute": 16, "second": 3}
